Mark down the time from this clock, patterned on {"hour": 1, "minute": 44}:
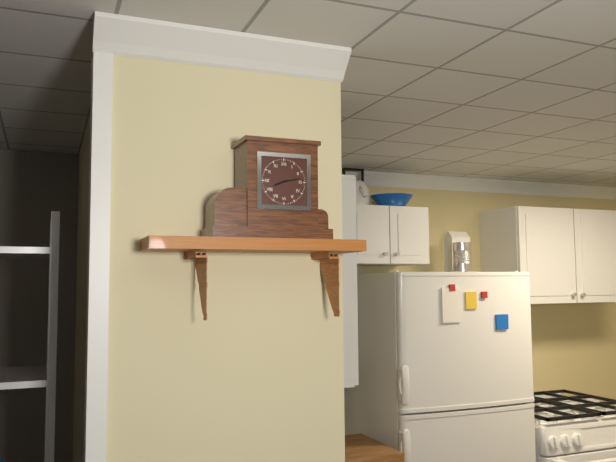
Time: {"hour": 8, "minute": 13}
